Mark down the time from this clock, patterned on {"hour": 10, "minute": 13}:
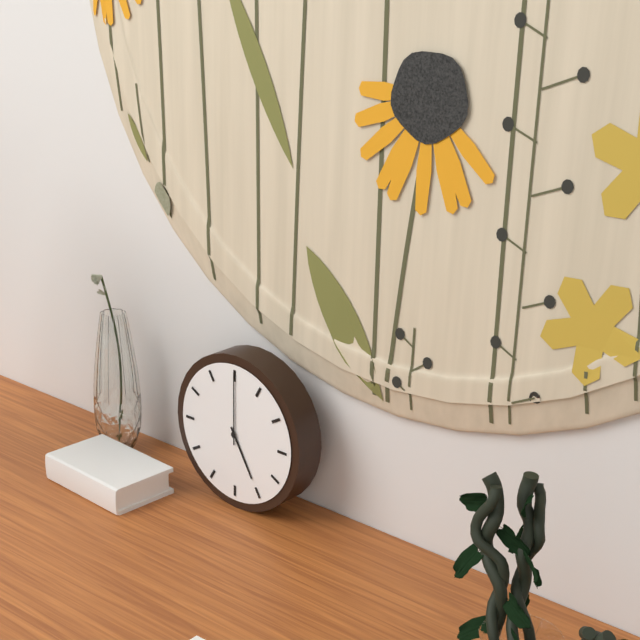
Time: {"hour": 5, "minute": 0}
